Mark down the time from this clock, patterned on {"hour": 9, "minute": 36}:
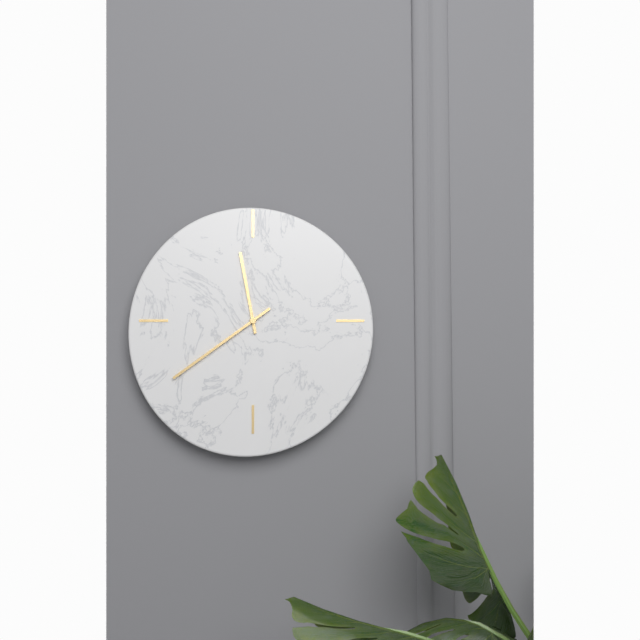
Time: {"hour": 11, "minute": 39}
